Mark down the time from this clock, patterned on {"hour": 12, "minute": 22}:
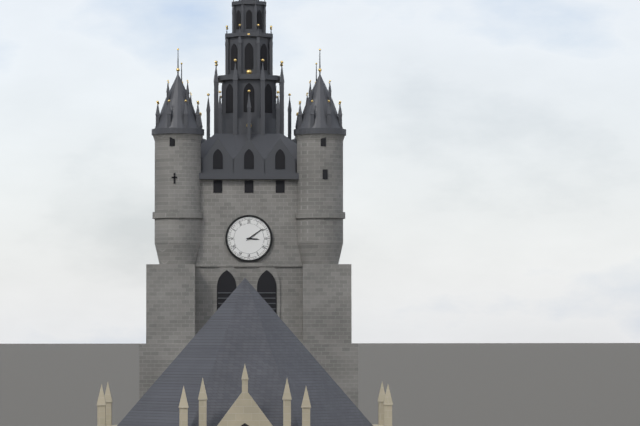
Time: {"hour": 3, "minute": 9}
